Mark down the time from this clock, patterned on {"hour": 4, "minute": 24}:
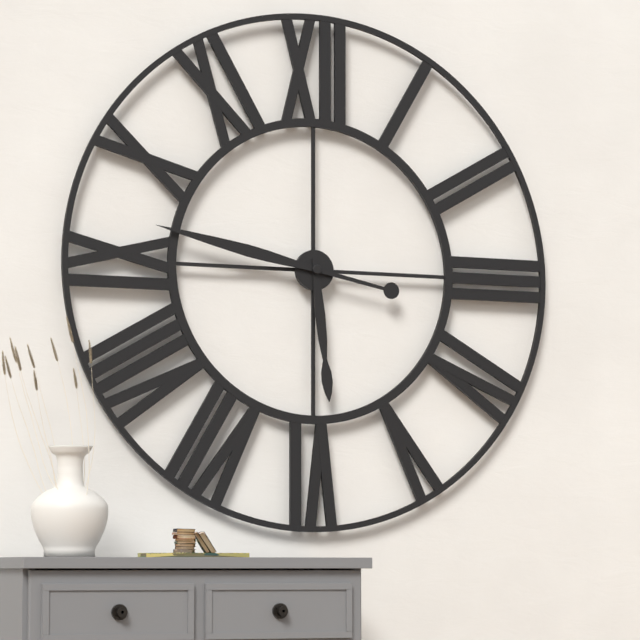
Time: {"hour": 5, "minute": 47}
